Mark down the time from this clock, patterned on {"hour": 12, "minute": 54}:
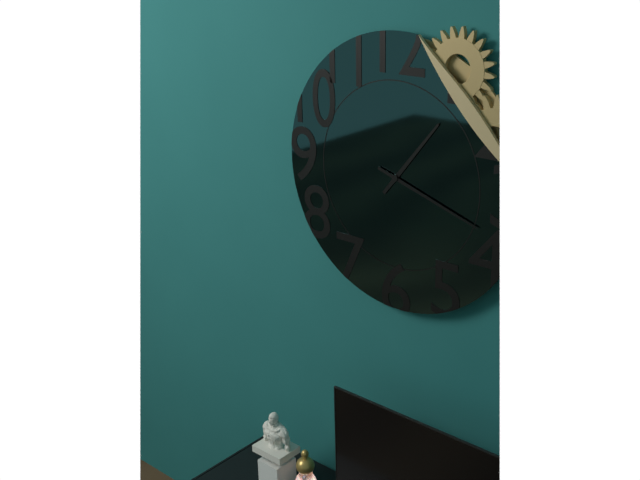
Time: {"hour": 1, "minute": 18}
